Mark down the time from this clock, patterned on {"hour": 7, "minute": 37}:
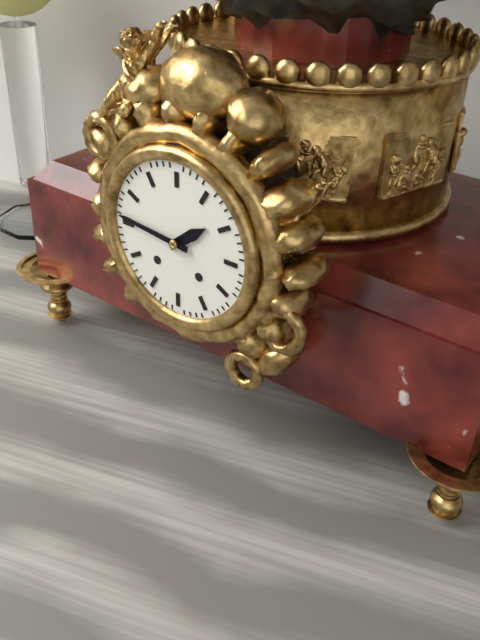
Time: {"hour": 1, "minute": 46}
